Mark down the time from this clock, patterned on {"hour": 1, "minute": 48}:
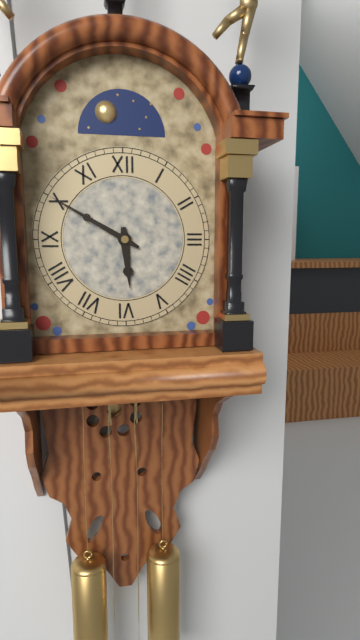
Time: {"hour": 5, "minute": 50}
